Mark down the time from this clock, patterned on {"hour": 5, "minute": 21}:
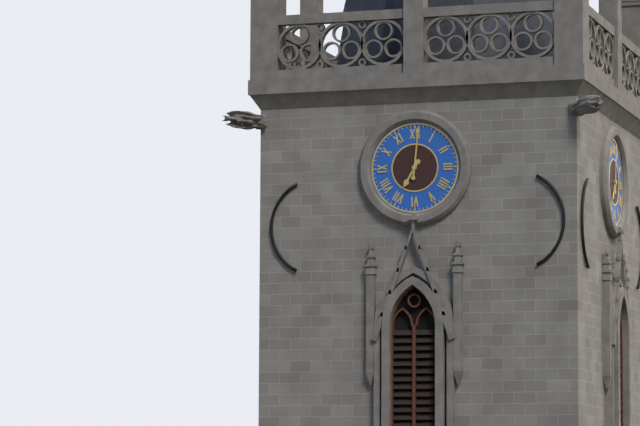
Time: {"hour": 7, "minute": 1}
